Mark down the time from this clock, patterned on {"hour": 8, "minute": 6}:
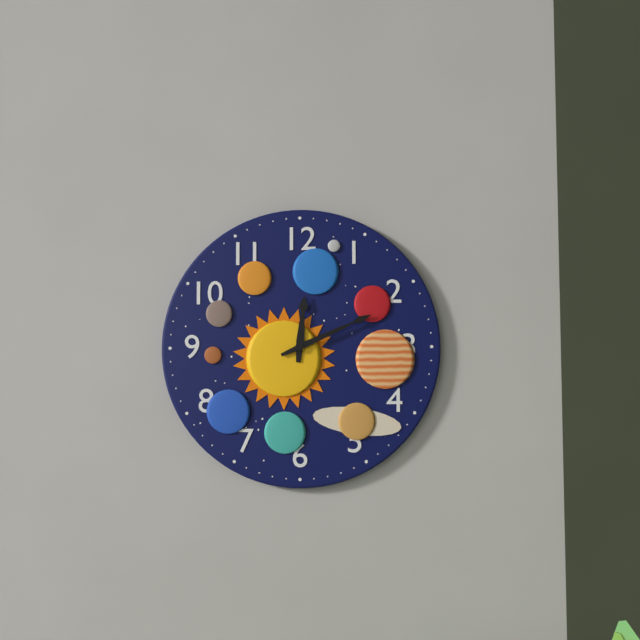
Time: {"hour": 12, "minute": 11}
